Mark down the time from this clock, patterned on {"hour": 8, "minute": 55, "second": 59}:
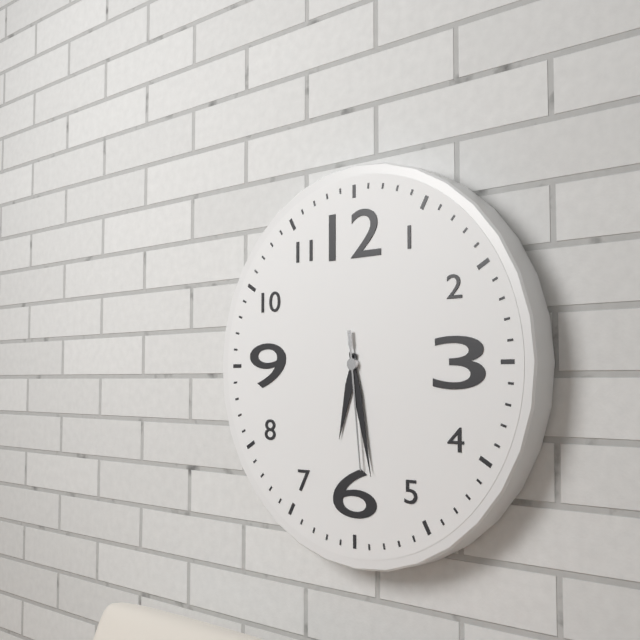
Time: {"hour": 6, "minute": 28, "second": 29}
